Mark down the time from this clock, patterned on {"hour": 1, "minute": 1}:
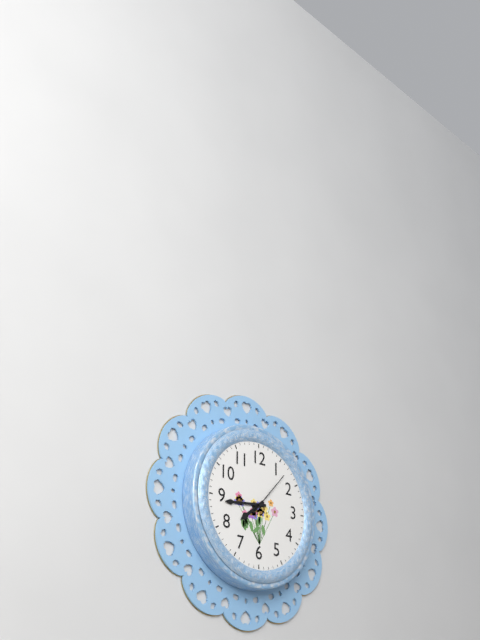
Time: {"hour": 7, "minute": 44}
